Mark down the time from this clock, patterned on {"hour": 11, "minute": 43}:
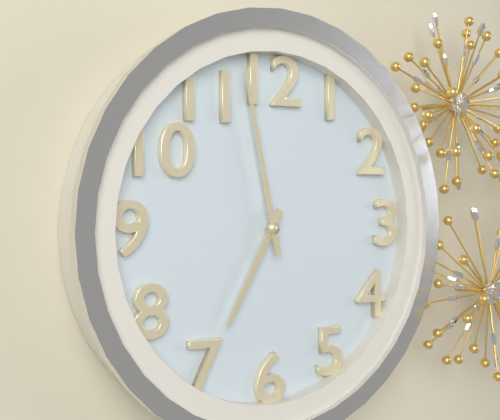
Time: {"hour": 6, "minute": 58}
